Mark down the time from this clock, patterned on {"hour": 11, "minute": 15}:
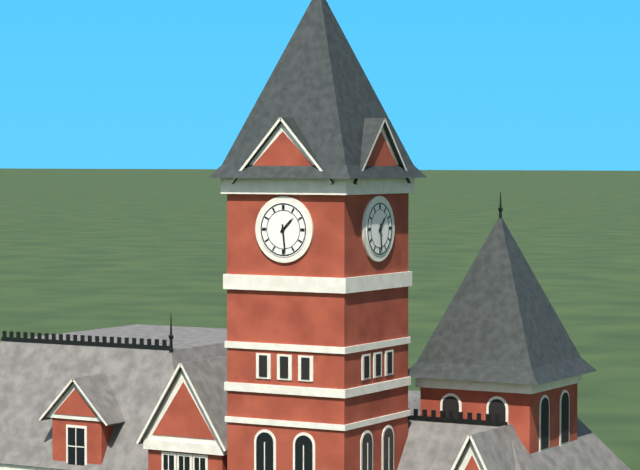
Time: {"hour": 1, "minute": 29}
